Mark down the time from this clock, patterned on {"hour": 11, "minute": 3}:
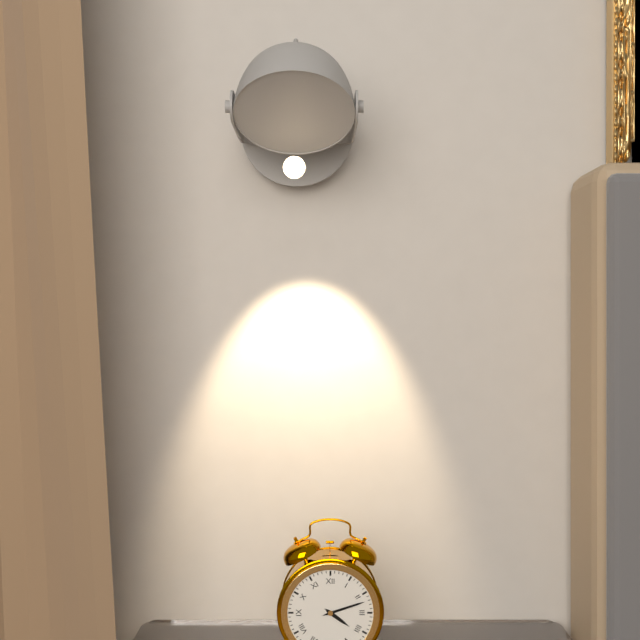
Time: {"hour": 4, "minute": 12}
